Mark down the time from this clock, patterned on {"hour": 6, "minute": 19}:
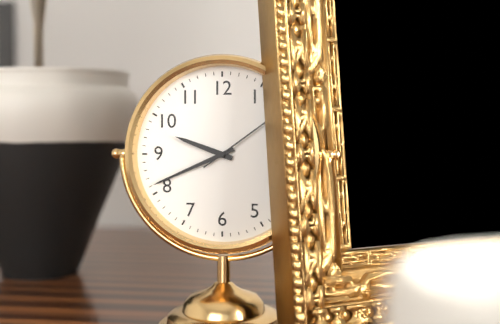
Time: {"hour": 9, "minute": 41}
